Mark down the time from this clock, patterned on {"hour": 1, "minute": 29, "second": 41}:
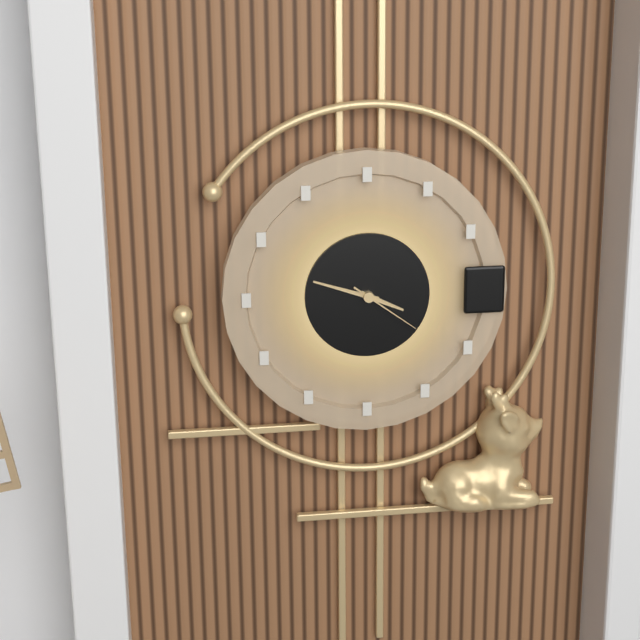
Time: {"hour": 3, "minute": 48, "second": 21}
